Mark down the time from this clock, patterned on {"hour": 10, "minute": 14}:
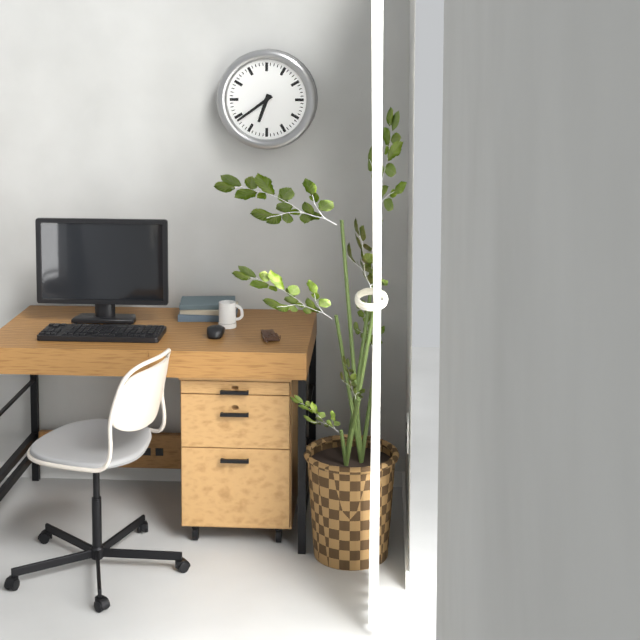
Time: {"hour": 6, "minute": 39}
